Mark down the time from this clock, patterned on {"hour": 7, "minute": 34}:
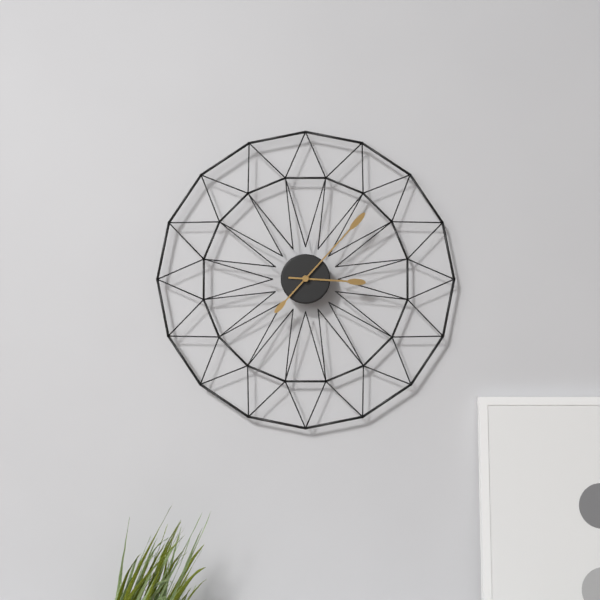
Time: {"hour": 3, "minute": 7}
